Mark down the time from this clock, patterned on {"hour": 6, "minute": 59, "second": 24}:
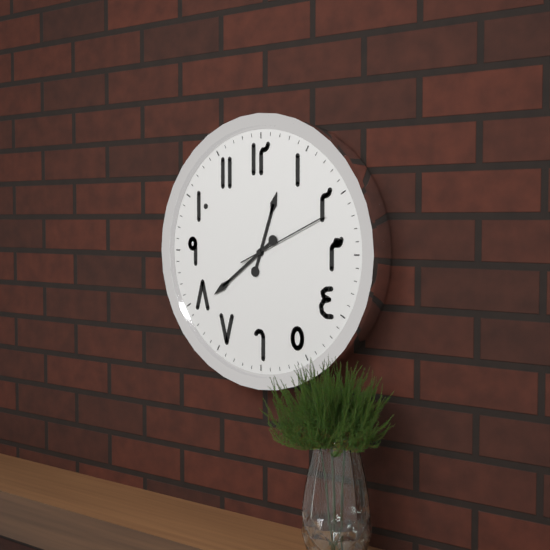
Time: {"hour": 12, "minute": 39, "second": 11}
